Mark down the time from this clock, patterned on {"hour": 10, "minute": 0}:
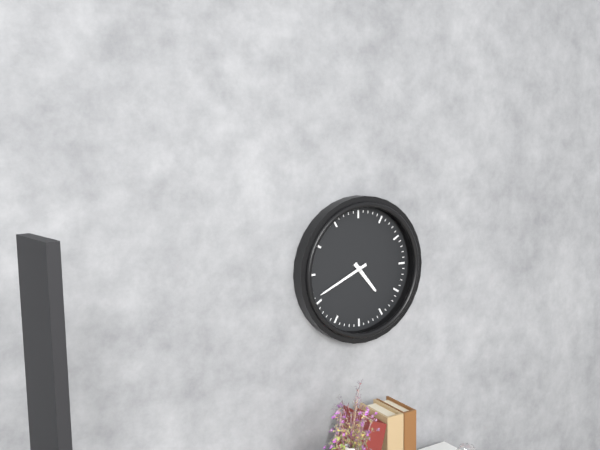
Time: {"hour": 4, "minute": 41}
